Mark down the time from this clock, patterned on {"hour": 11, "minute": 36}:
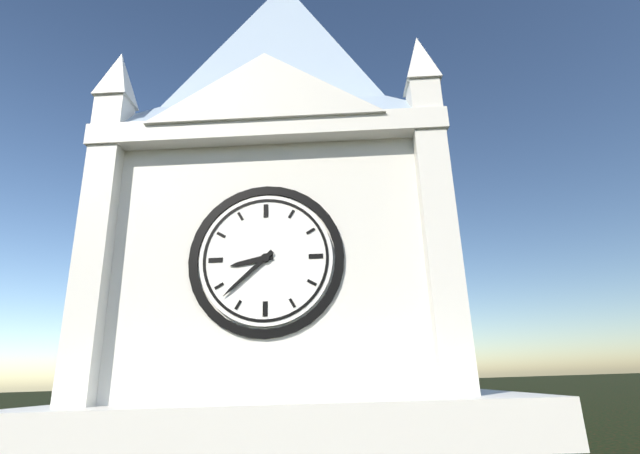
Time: {"hour": 8, "minute": 38}
